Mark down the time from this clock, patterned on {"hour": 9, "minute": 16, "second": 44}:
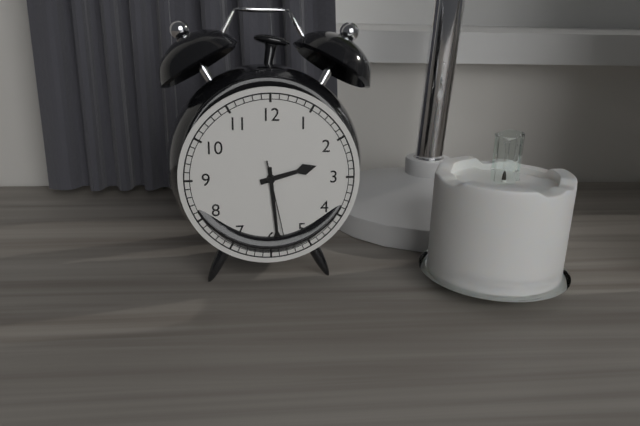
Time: {"hour": 2, "minute": 29, "second": 28}
